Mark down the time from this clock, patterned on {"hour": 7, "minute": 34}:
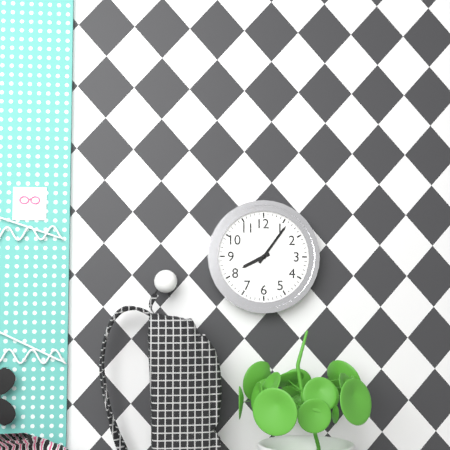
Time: {"hour": 8, "minute": 6}
